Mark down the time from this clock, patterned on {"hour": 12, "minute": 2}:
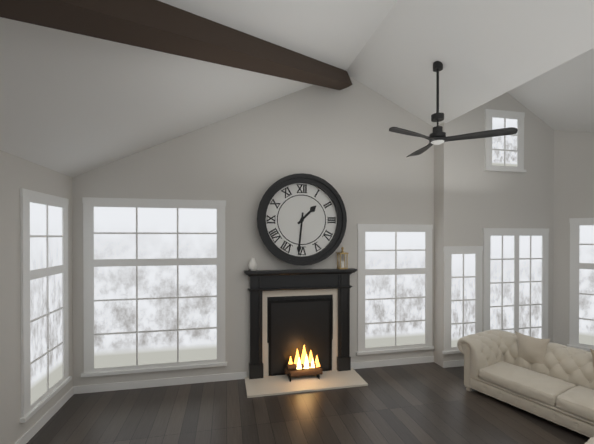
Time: {"hour": 1, "minute": 31}
